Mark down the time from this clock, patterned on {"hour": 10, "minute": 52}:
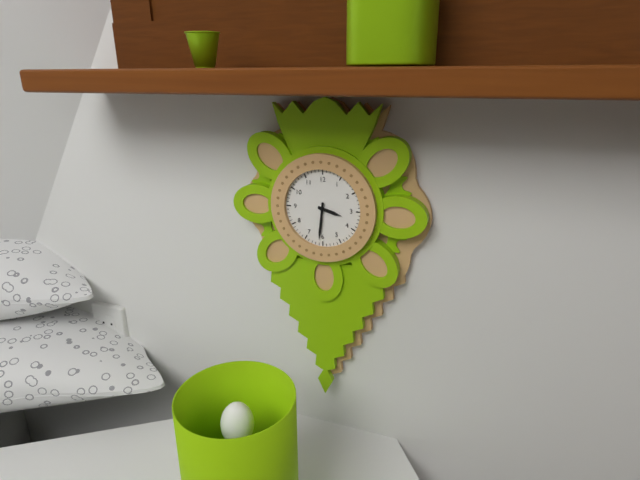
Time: {"hour": 3, "minute": 31}
